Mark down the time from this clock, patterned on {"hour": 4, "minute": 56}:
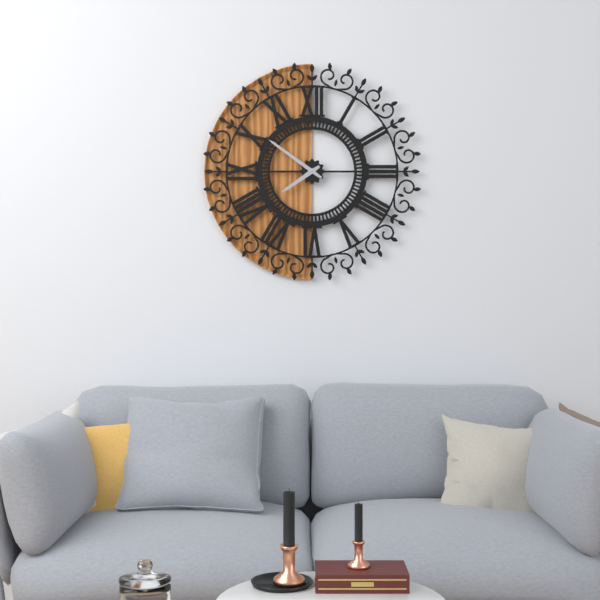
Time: {"hour": 7, "minute": 51}
